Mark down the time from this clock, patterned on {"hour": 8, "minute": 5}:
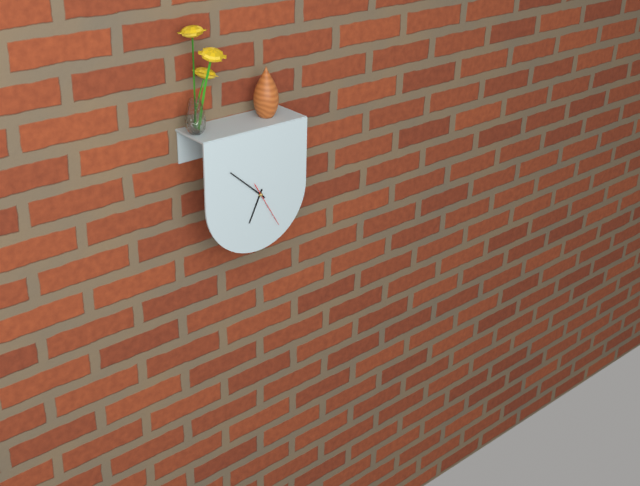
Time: {"hour": 6, "minute": 52}
